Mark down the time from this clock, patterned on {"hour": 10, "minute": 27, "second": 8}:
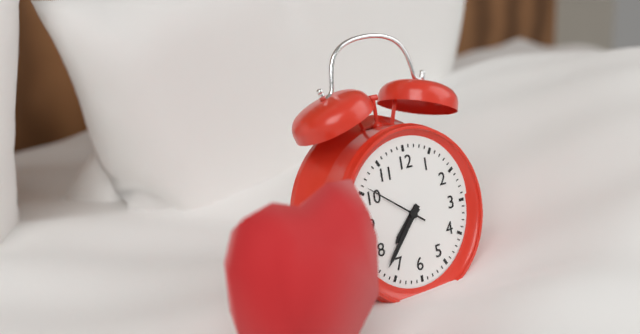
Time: {"hour": 7, "minute": 37, "second": 51}
